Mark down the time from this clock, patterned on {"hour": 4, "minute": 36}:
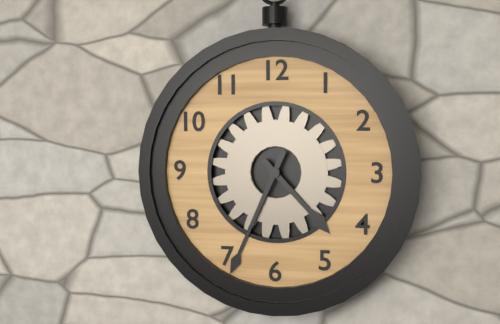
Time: {"hour": 4, "minute": 34}
